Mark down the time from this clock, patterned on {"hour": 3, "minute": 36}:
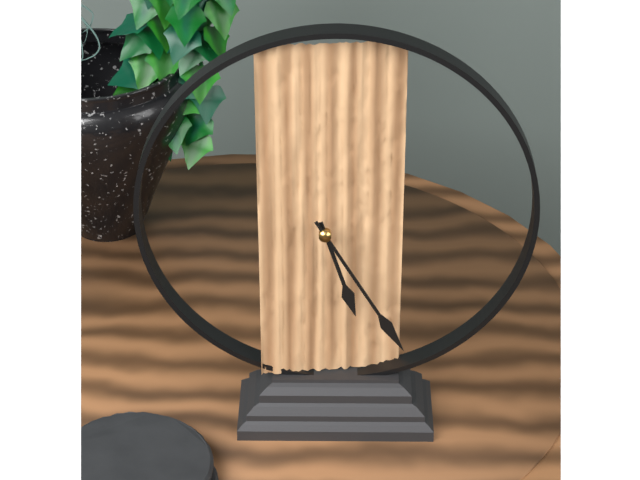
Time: {"hour": 5, "minute": 25}
